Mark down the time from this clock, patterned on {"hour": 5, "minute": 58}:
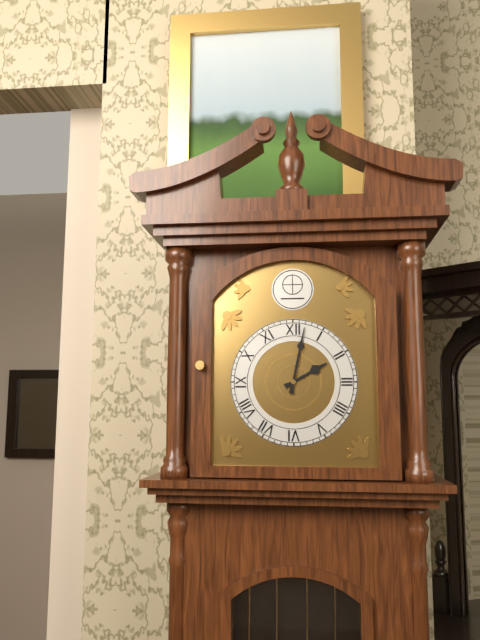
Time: {"hour": 2, "minute": 2}
